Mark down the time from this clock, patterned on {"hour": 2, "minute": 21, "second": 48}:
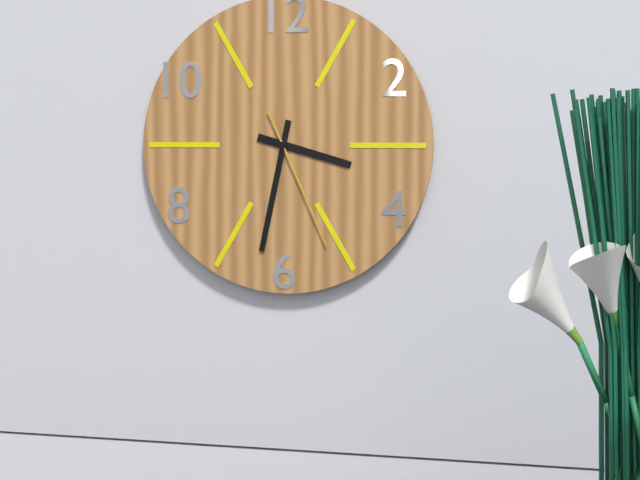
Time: {"hour": 3, "minute": 32, "second": 26}
